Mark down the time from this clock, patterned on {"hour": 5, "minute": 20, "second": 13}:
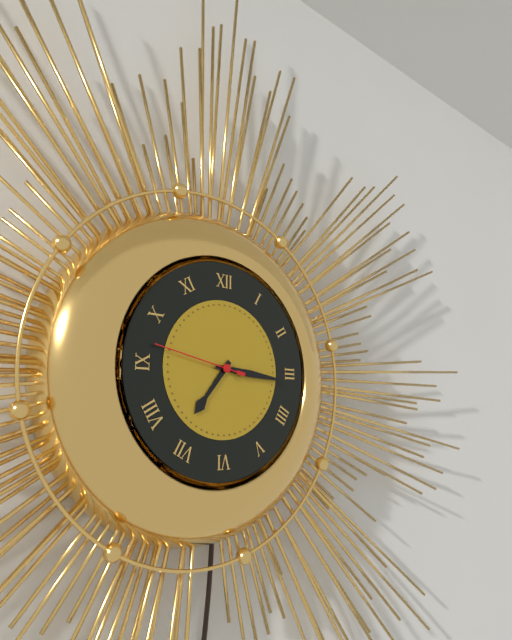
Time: {"hour": 7, "minute": 16, "second": 47}
